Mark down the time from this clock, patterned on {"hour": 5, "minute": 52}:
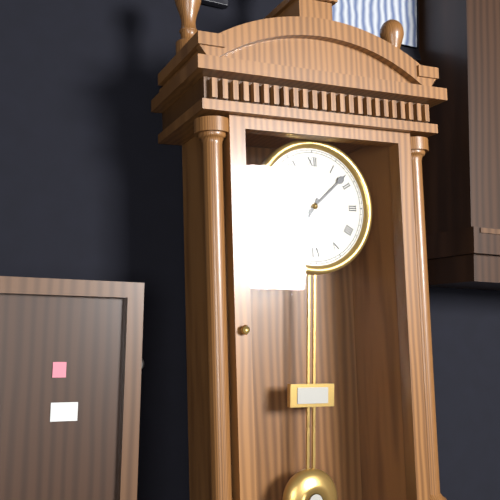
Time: {"hour": 7, "minute": 8}
